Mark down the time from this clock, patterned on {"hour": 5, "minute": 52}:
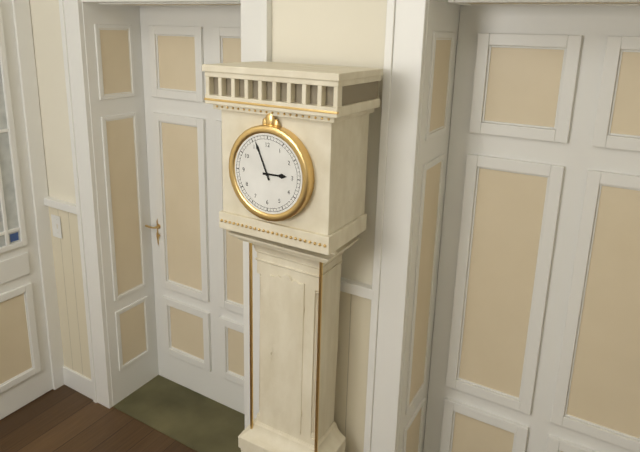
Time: {"hour": 2, "minute": 56}
